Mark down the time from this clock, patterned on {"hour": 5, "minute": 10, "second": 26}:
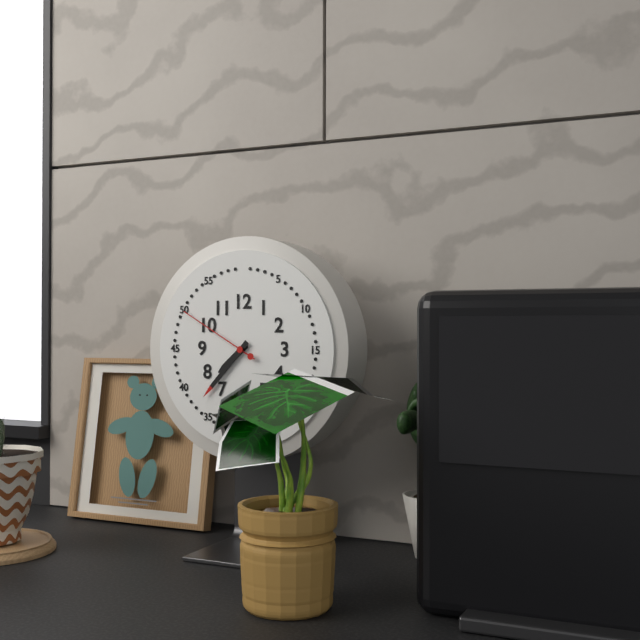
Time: {"hour": 7, "minute": 37, "second": 50}
